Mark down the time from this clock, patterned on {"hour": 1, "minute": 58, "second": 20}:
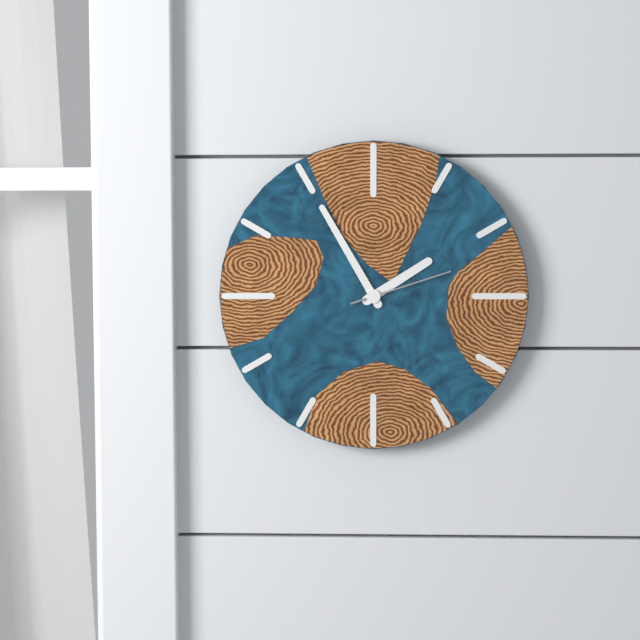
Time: {"hour": 1, "minute": 55, "second": 12}
